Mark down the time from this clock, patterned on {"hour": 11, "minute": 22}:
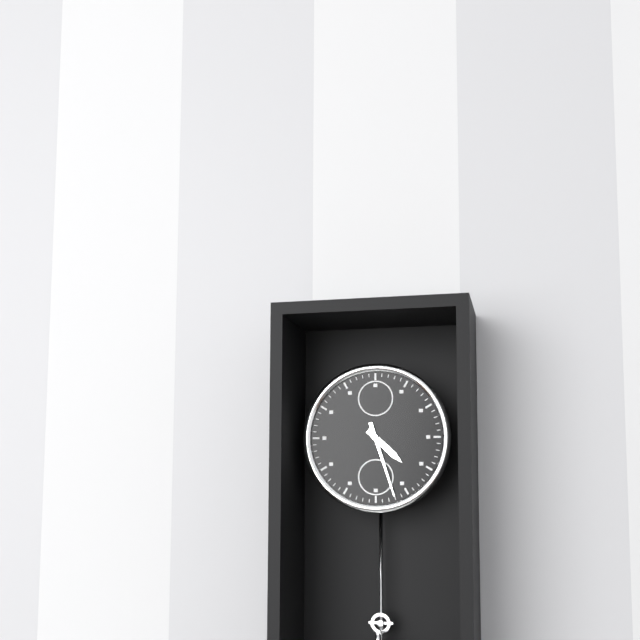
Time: {"hour": 4, "minute": 27}
